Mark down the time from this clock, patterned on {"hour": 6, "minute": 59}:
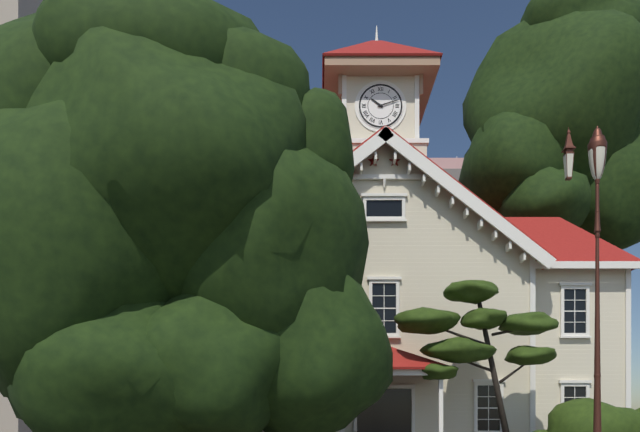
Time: {"hour": 10, "minute": 12}
